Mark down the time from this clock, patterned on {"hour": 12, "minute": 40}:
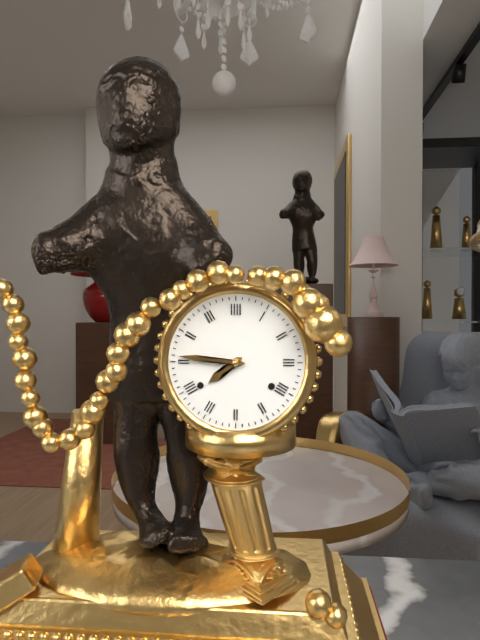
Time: {"hour": 7, "minute": 46}
